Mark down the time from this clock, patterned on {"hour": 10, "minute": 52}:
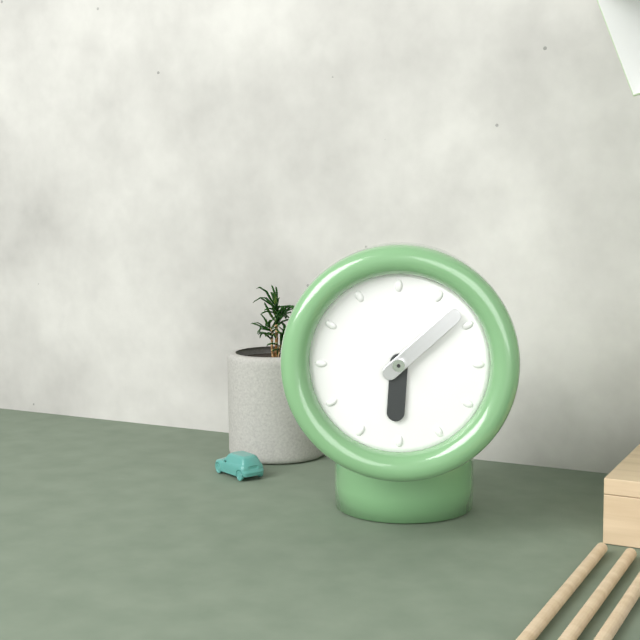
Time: {"hour": 6, "minute": 8}
